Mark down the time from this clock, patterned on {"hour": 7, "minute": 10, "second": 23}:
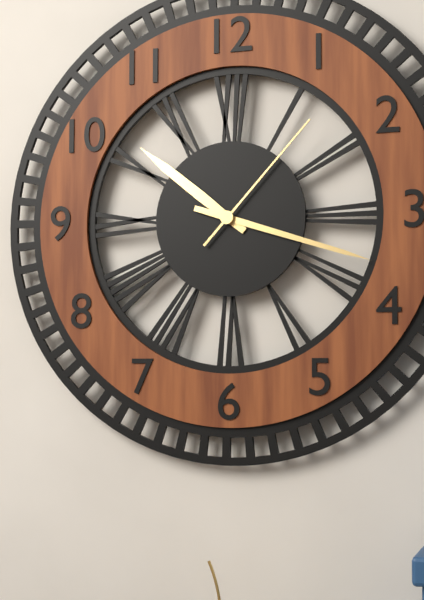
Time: {"hour": 10, "minute": 18, "second": 7}
